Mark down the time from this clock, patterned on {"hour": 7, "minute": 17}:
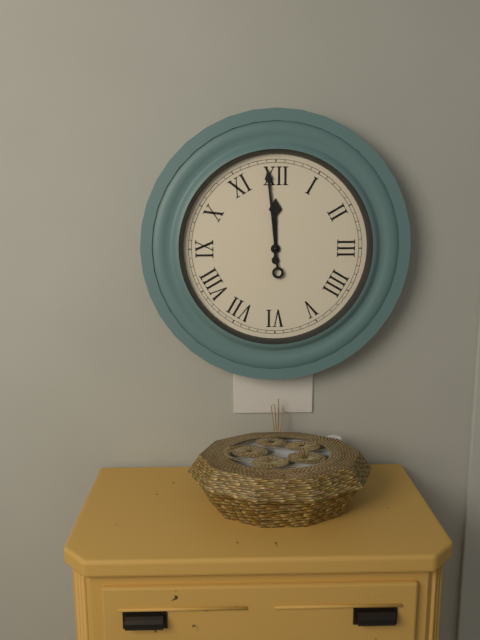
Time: {"hour": 11, "minute": 59}
